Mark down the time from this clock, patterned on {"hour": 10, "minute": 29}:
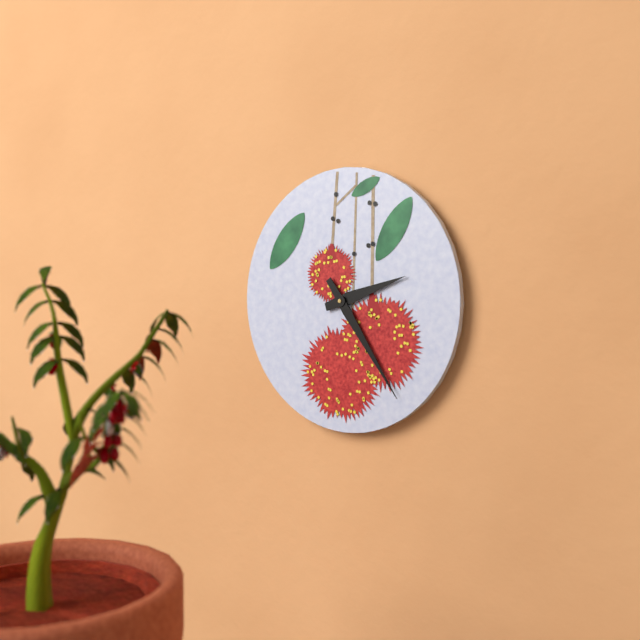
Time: {"hour": 2, "minute": 24}
